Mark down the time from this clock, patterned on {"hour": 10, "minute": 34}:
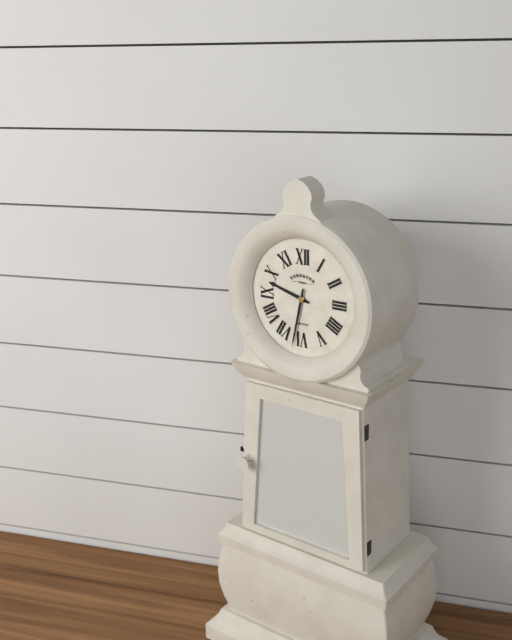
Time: {"hour": 9, "minute": 32}
